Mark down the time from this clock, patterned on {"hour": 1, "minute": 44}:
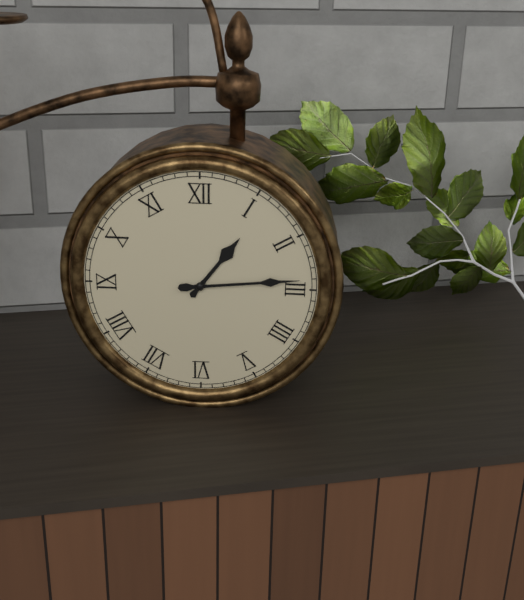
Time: {"hour": 1, "minute": 14}
